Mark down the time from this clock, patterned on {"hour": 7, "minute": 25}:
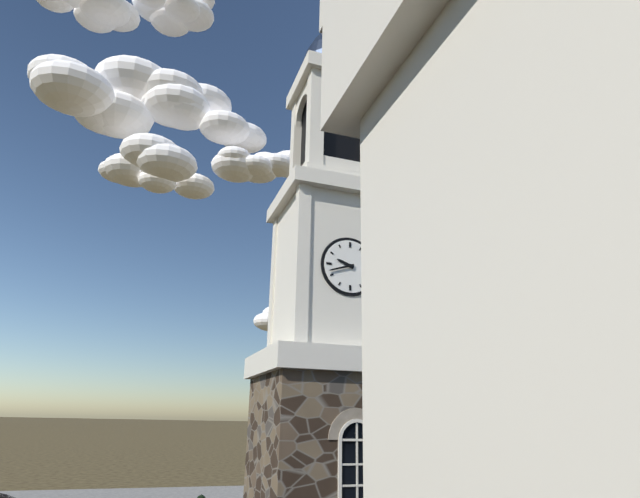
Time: {"hour": 9, "minute": 42}
